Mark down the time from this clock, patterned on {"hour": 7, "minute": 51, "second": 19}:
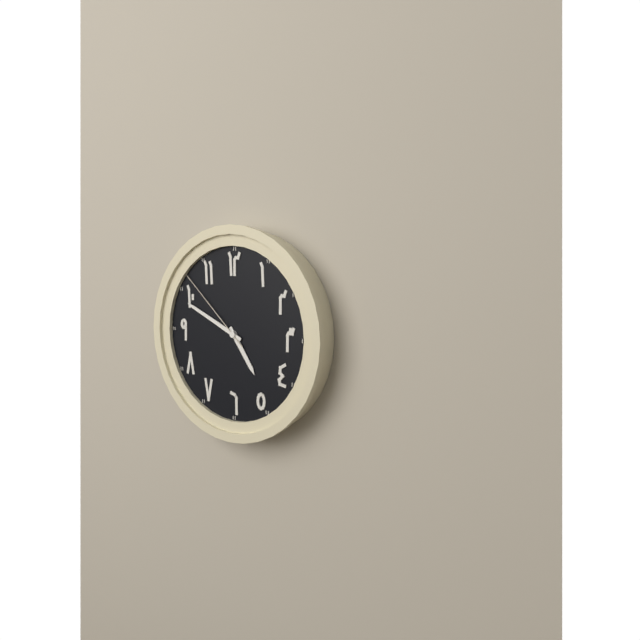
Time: {"hour": 4, "minute": 49, "second": 52}
